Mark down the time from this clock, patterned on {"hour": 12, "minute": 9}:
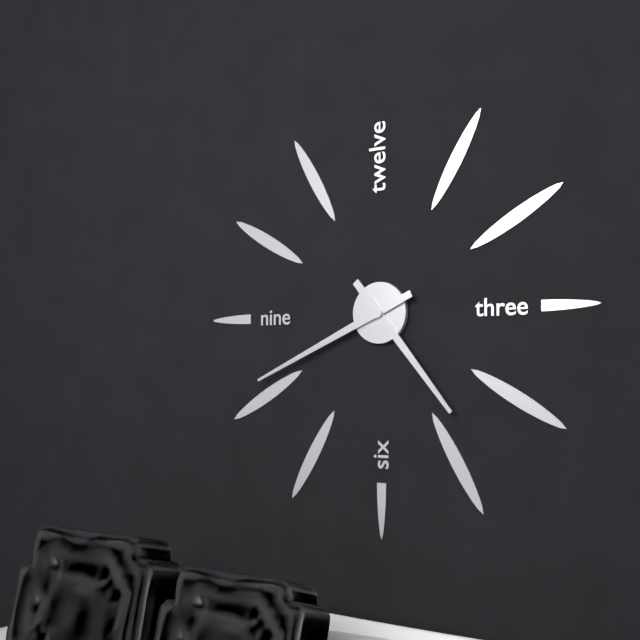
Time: {"hour": 4, "minute": 41}
